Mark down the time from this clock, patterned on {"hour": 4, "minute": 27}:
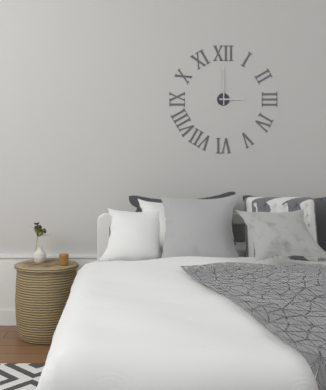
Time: {"hour": 3, "minute": 0}
